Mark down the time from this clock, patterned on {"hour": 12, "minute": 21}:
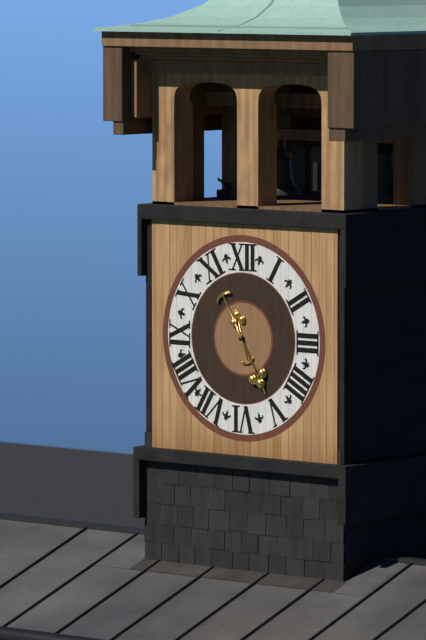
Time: {"hour": 11, "minute": 25}
